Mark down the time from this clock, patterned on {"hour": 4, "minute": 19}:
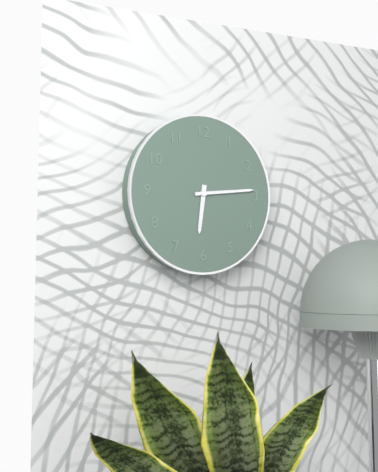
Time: {"hour": 6, "minute": 14}
